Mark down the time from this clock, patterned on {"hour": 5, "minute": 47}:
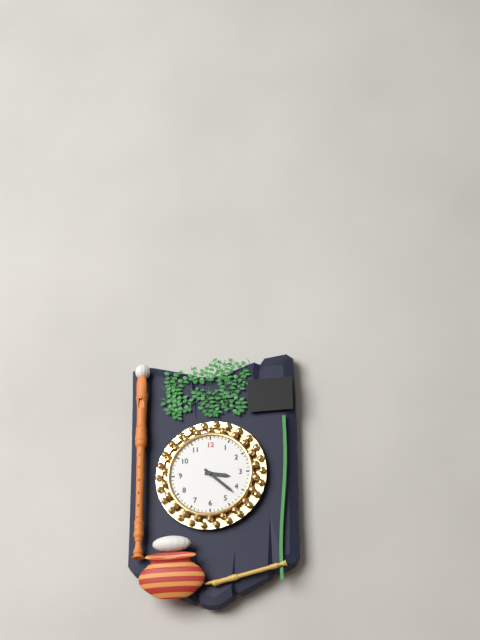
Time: {"hour": 3, "minute": 22}
